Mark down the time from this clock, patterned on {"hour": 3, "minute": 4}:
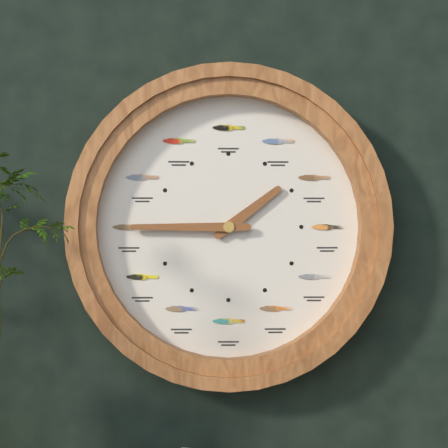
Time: {"hour": 1, "minute": 45}
